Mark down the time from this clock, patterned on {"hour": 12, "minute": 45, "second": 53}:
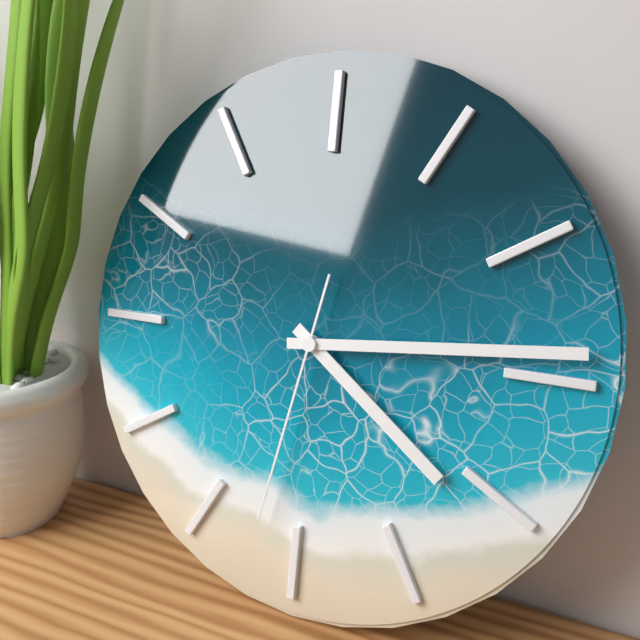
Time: {"hour": 4, "minute": 14, "second": 32}
